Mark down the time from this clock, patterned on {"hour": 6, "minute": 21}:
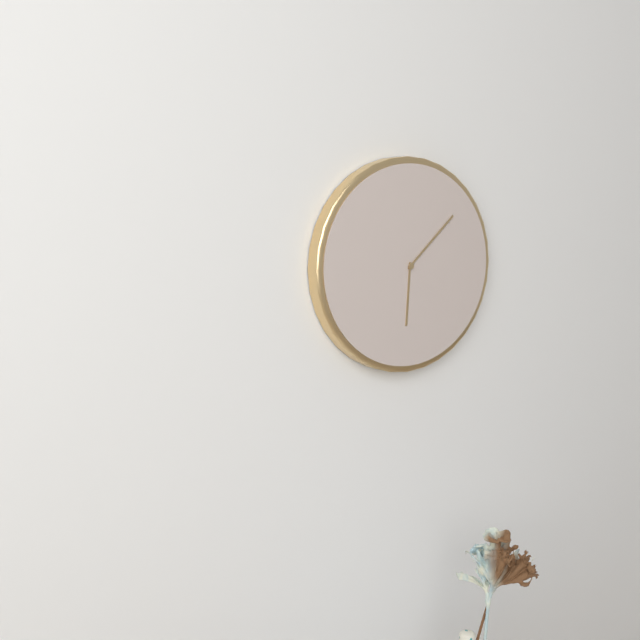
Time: {"hour": 6, "minute": 8}
